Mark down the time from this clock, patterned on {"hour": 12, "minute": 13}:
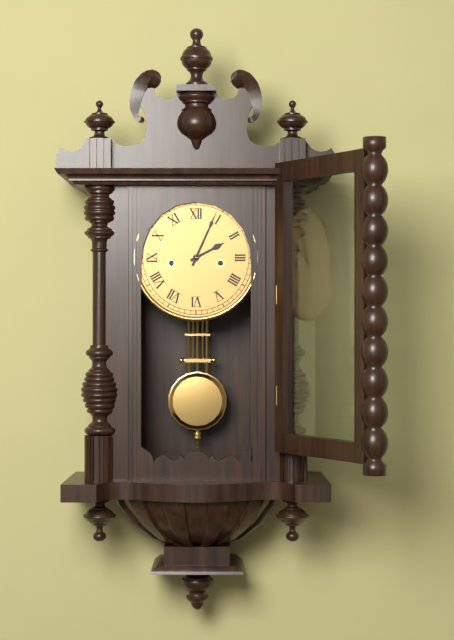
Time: {"hour": 2, "minute": 4}
